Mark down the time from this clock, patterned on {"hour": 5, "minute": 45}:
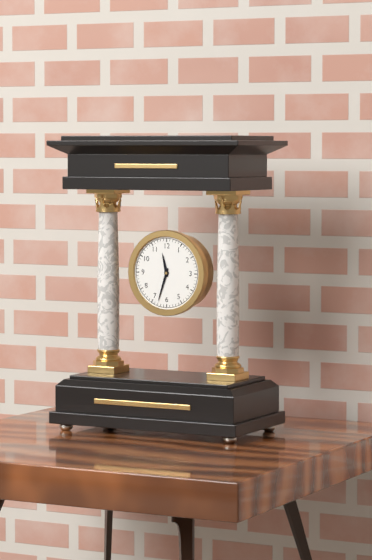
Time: {"hour": 11, "minute": 33}
